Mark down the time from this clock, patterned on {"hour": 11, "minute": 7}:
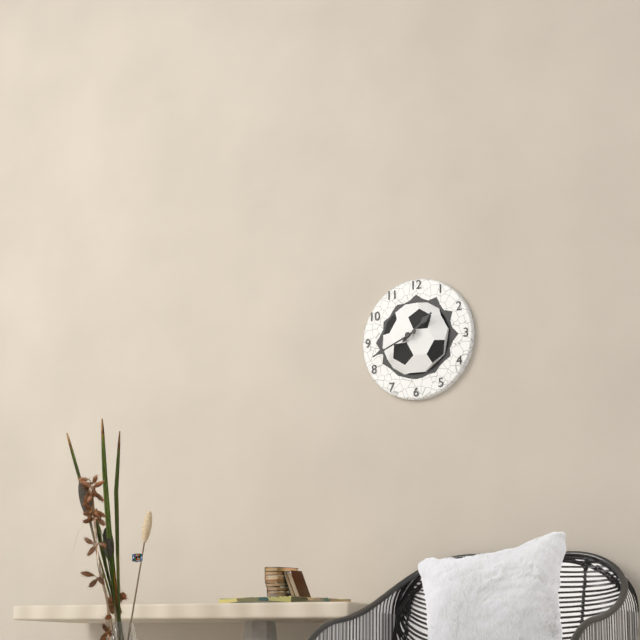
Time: {"hour": 1, "minute": 41}
